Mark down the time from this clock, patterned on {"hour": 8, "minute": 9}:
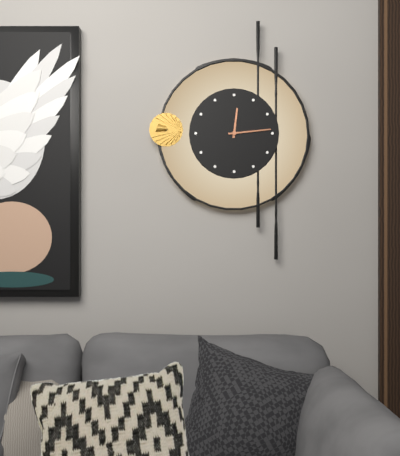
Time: {"hour": 12, "minute": 14}
